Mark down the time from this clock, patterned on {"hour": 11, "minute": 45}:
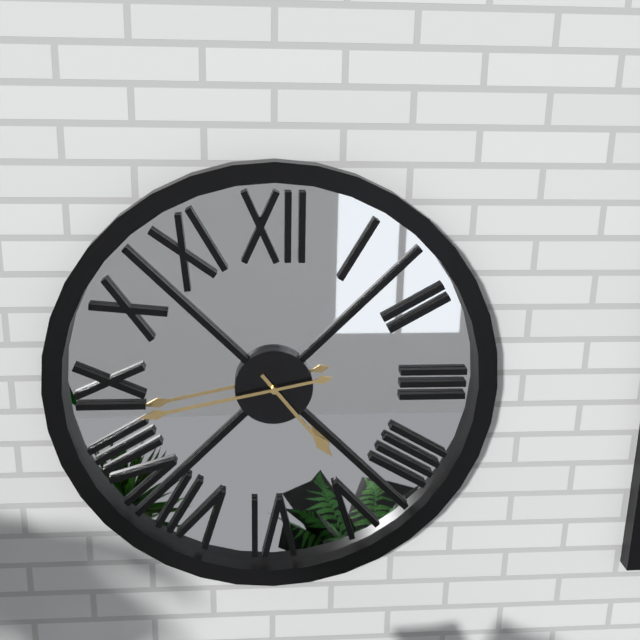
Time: {"hour": 4, "minute": 43}
